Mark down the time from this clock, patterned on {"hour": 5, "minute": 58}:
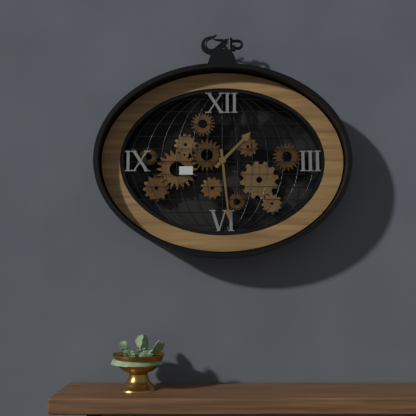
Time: {"hour": 1, "minute": 29}
